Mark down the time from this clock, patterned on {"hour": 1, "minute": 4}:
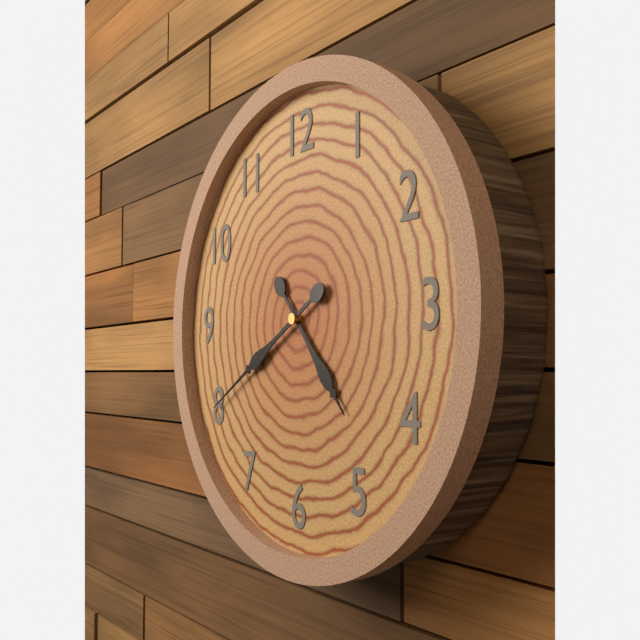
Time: {"hour": 4, "minute": 40}
